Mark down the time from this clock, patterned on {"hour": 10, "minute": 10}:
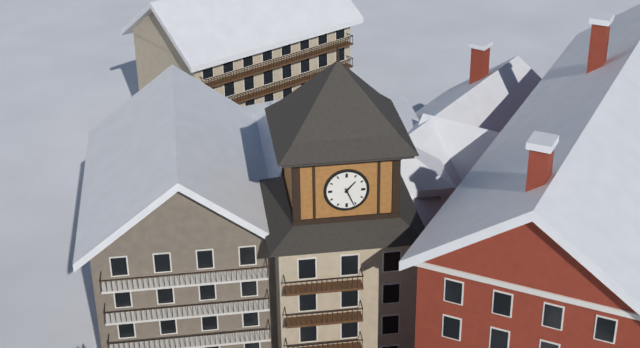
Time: {"hour": 1, "minute": 26}
